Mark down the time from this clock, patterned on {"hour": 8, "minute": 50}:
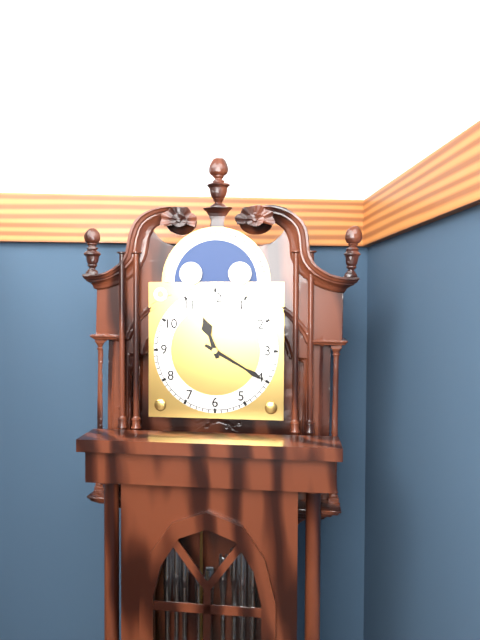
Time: {"hour": 11, "minute": 20}
